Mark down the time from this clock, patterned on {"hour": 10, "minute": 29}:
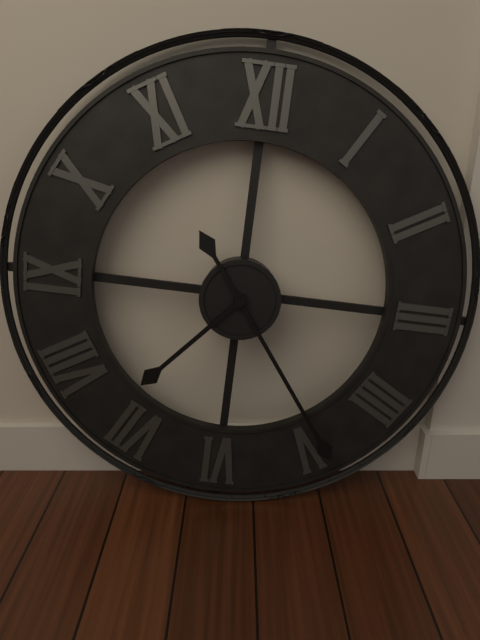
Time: {"hour": 7, "minute": 24}
